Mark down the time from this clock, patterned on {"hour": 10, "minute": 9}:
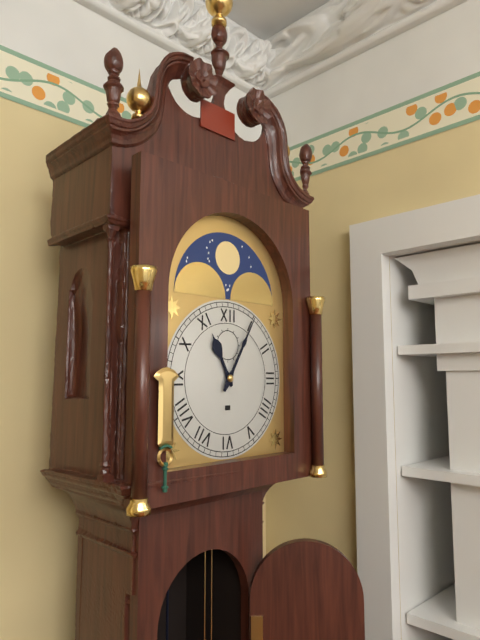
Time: {"hour": 11, "minute": 5}
